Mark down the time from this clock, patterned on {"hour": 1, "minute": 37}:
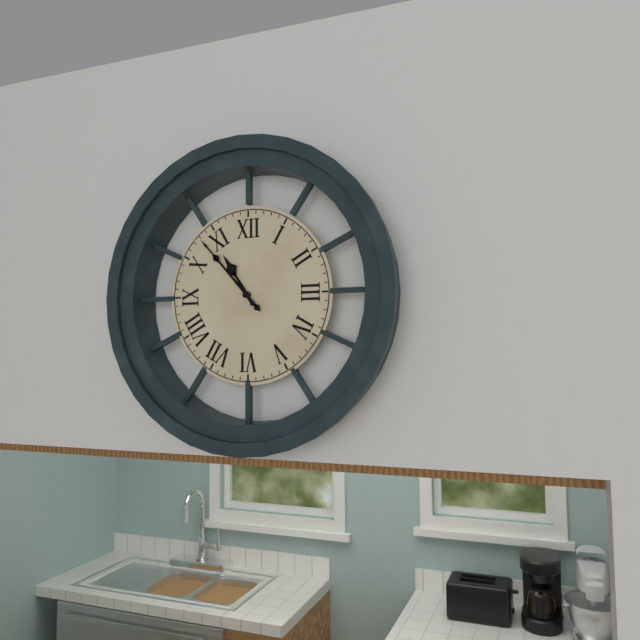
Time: {"hour": 10, "minute": 53}
